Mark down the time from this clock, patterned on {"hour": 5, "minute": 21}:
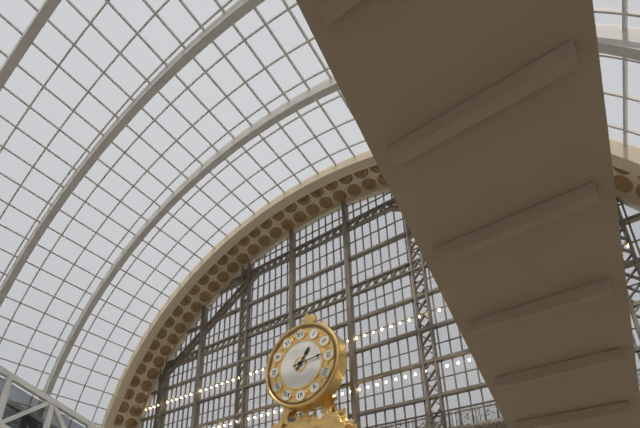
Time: {"hour": 1, "minute": 14}
